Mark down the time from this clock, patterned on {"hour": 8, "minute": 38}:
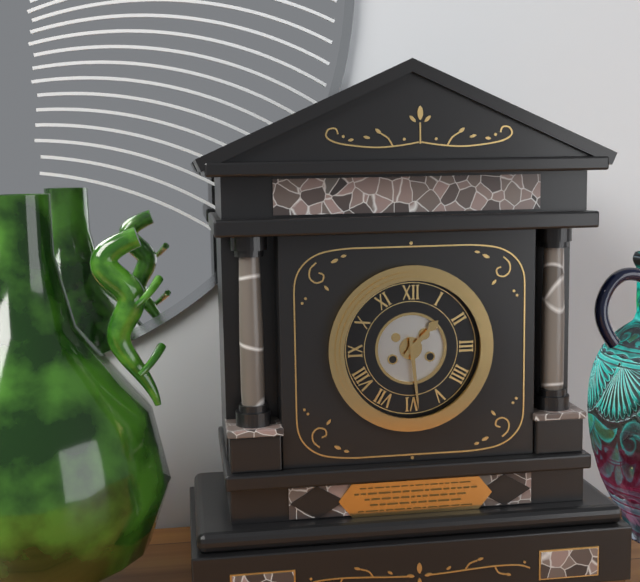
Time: {"hour": 1, "minute": 29}
